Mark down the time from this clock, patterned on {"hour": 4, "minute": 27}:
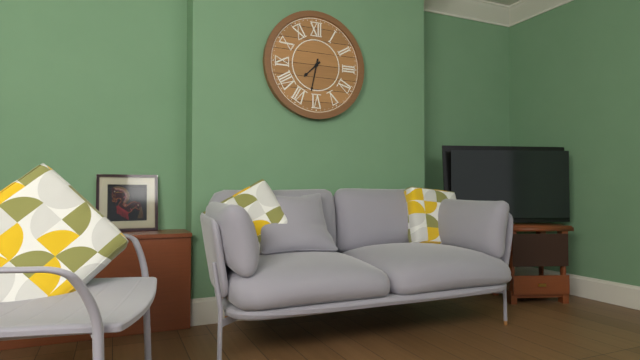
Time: {"hour": 7, "minute": 32}
